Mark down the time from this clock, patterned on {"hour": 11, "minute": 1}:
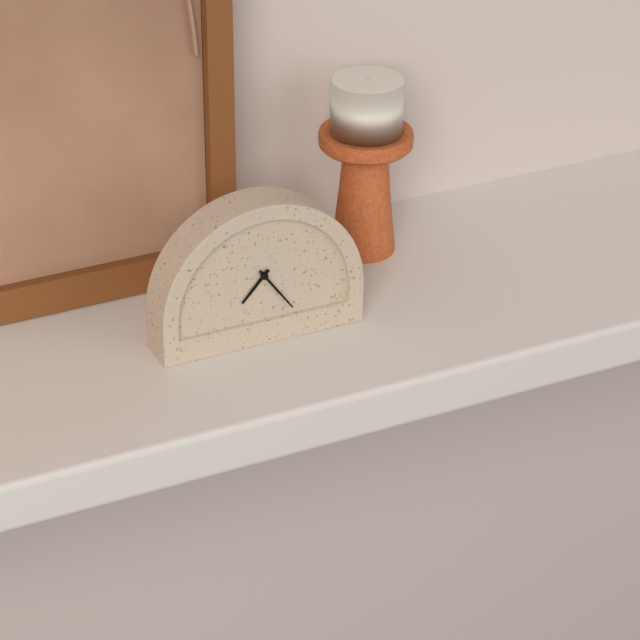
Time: {"hour": 7, "minute": 24}
